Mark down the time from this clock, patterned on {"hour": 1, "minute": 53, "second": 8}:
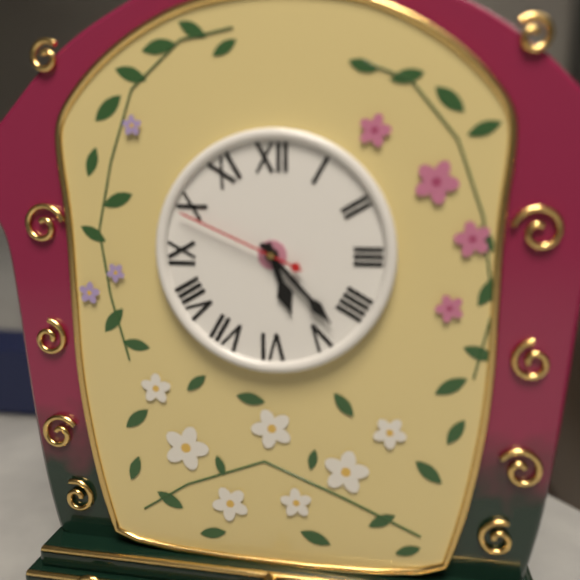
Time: {"hour": 5, "minute": 23, "second": 49}
